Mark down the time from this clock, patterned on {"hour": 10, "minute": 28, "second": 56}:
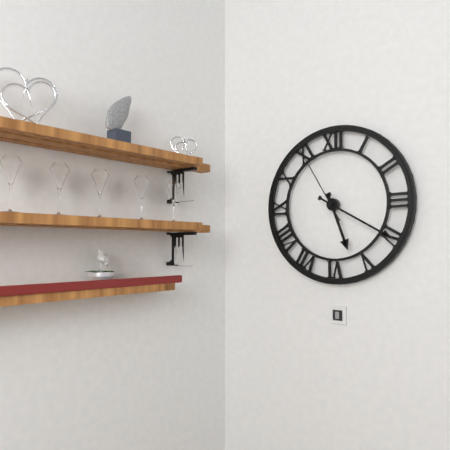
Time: {"hour": 5, "minute": 20, "second": 55}
